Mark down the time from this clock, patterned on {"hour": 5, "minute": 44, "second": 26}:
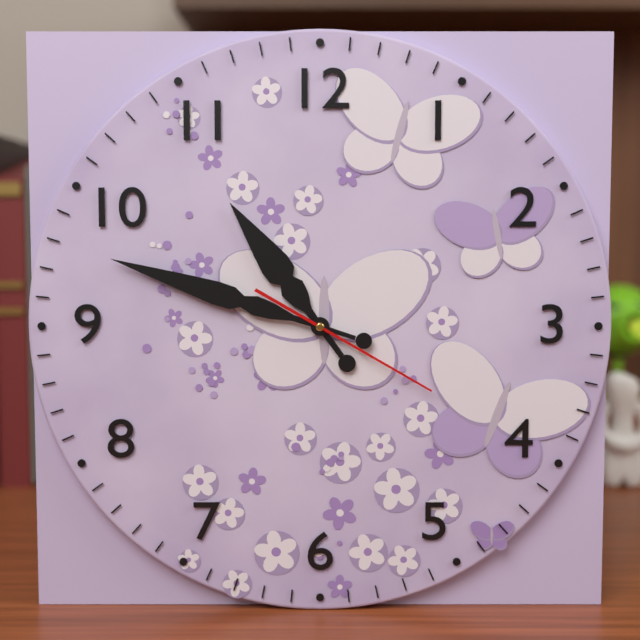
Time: {"hour": 10, "minute": 48, "second": 20}
